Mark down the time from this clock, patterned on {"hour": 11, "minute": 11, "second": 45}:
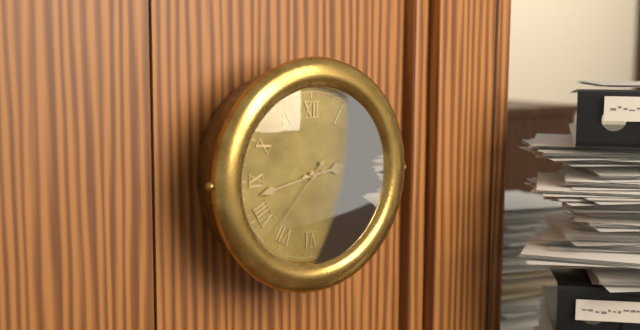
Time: {"hour": 2, "minute": 43, "second": 37}
